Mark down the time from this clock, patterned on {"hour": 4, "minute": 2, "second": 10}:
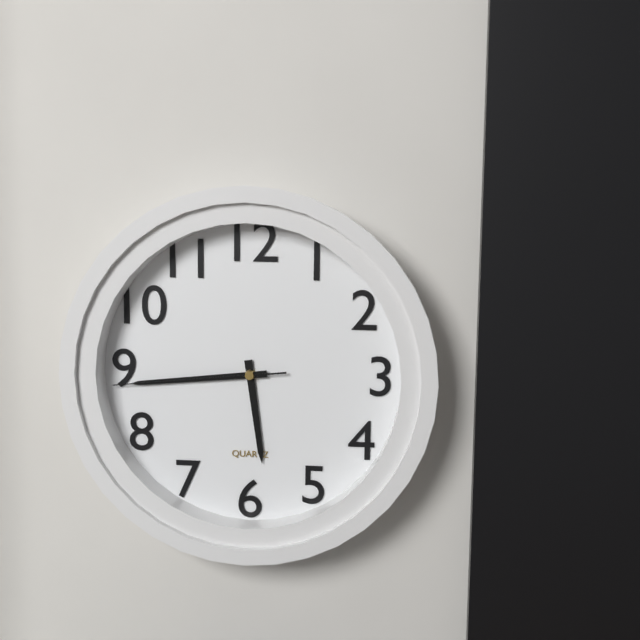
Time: {"hour": 5, "minute": 44, "second": 44}
